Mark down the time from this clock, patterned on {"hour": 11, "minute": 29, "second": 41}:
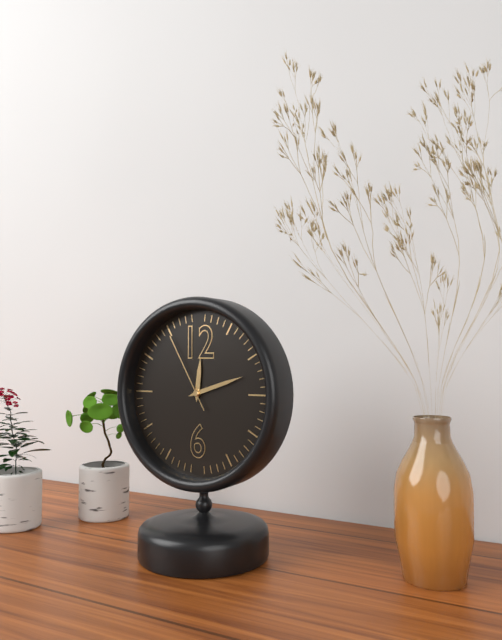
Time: {"hour": 12, "minute": 12, "second": 55}
